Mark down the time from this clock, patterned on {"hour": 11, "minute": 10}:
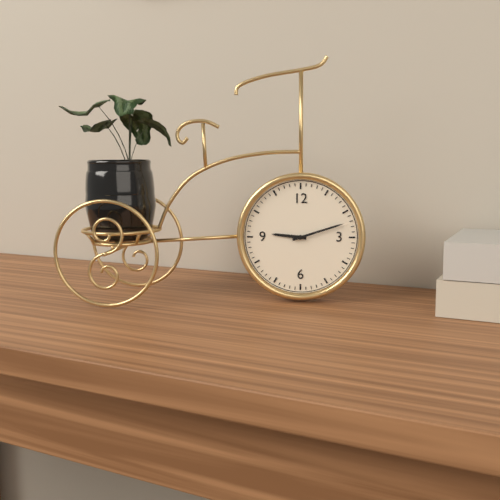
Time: {"hour": 9, "minute": 12}
